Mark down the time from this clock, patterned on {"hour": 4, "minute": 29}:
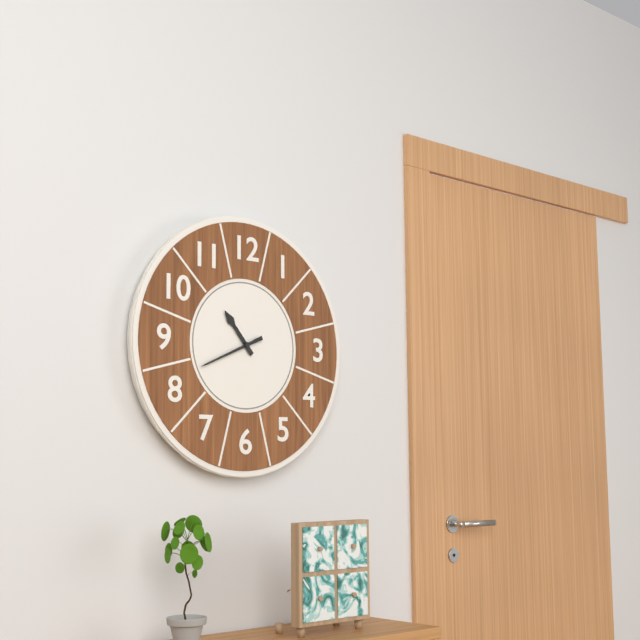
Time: {"hour": 10, "minute": 41}
